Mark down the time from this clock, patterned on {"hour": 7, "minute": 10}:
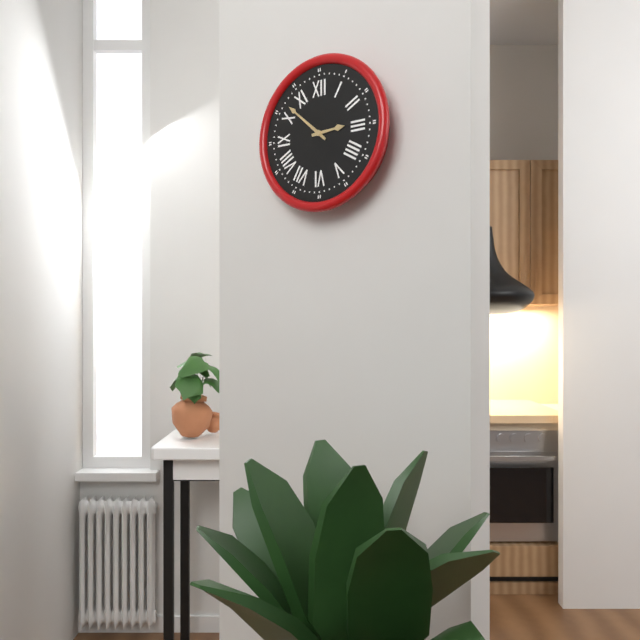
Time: {"hour": 2, "minute": 52}
